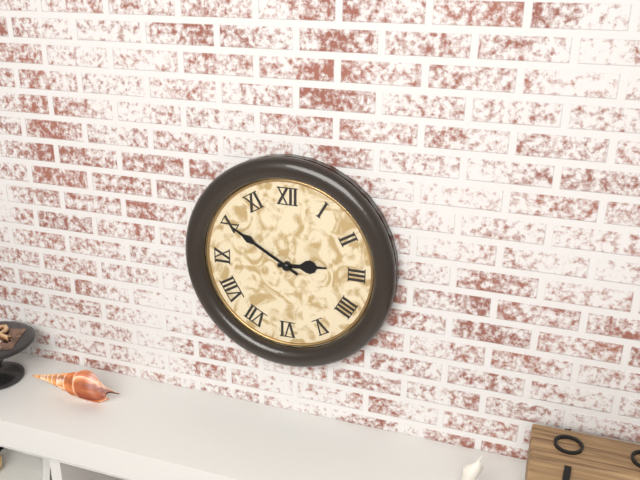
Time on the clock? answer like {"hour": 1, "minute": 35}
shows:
{"hour": 2, "minute": 50}
